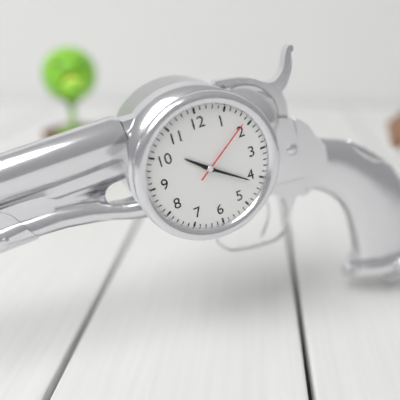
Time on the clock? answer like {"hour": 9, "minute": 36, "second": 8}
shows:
{"hour": 10, "minute": 21, "second": 9}
